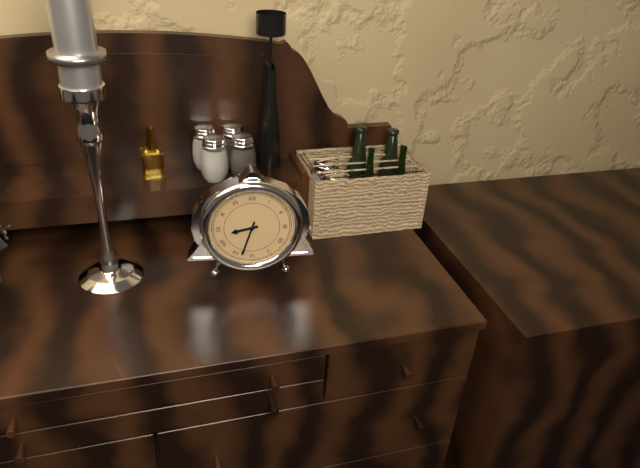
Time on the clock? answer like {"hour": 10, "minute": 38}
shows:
{"hour": 8, "minute": 33}
